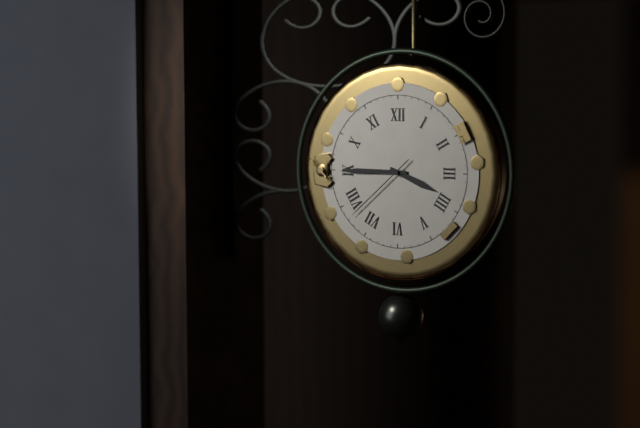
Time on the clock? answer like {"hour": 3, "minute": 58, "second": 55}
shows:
{"hour": 3, "minute": 45, "second": 38}
